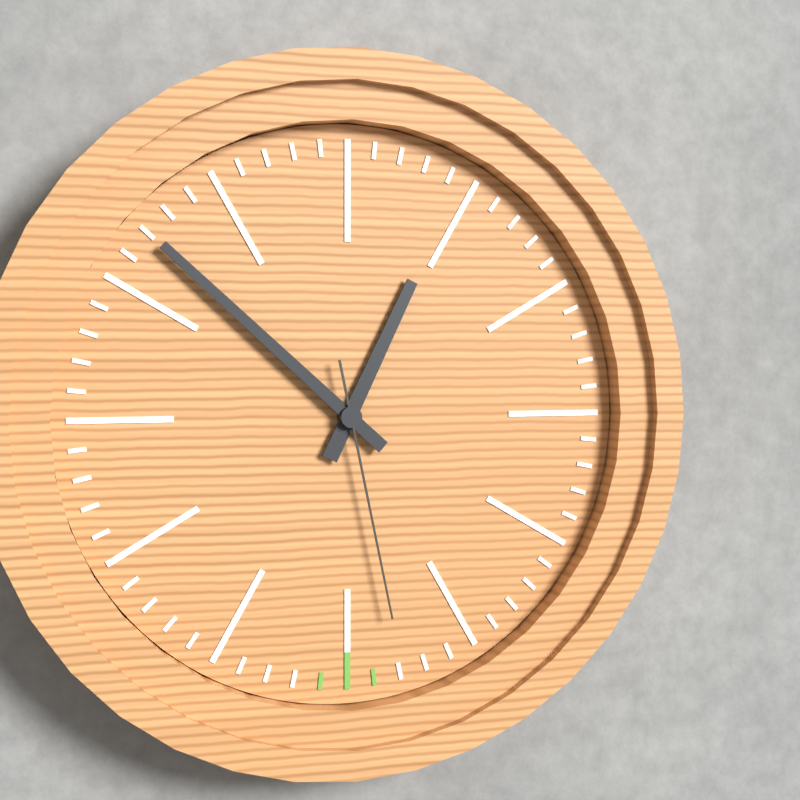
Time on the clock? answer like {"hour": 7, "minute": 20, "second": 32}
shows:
{"hour": 12, "minute": 52, "second": 28}
